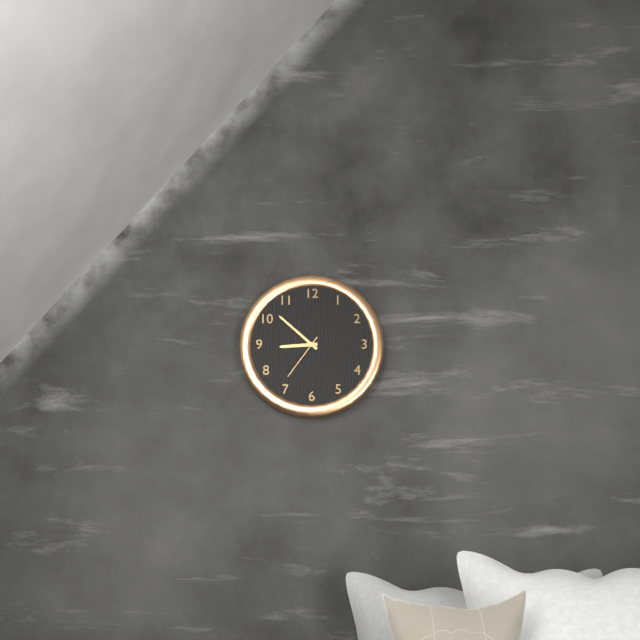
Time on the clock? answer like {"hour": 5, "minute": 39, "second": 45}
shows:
{"hour": 8, "minute": 52, "second": 36}
